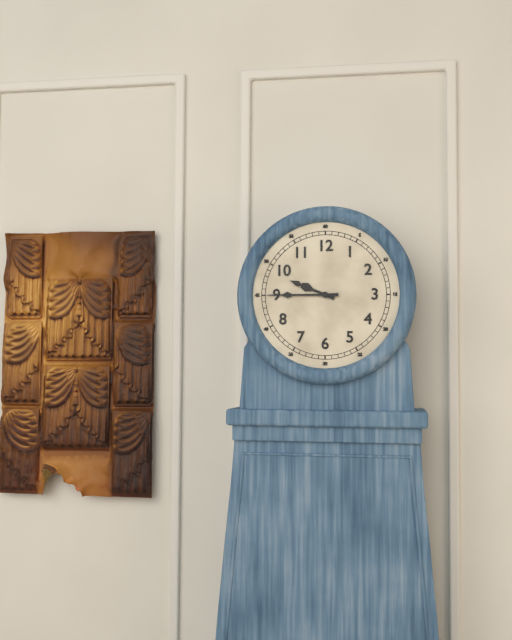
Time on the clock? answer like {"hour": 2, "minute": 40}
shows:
{"hour": 9, "minute": 45}
